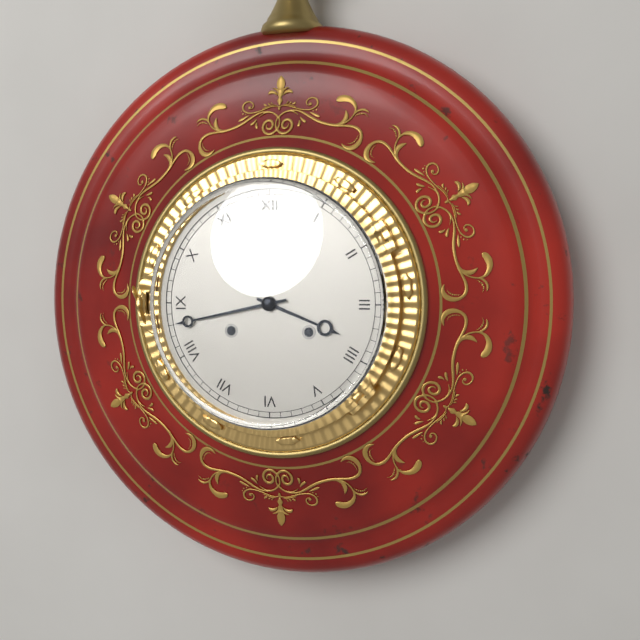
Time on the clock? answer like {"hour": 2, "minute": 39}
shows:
{"hour": 3, "minute": 43}
